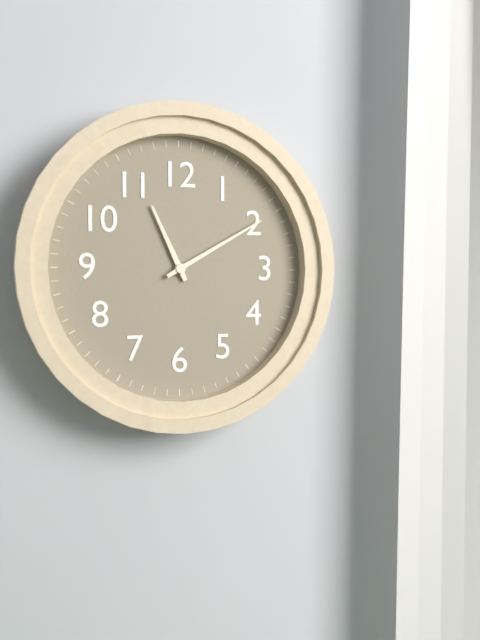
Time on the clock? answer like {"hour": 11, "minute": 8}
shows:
{"hour": 11, "minute": 10}
